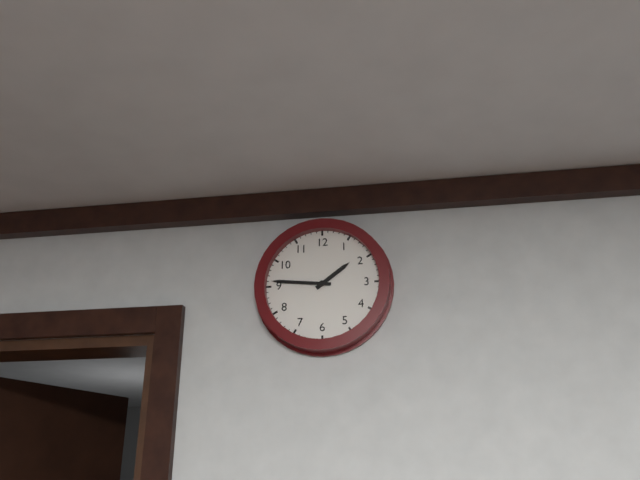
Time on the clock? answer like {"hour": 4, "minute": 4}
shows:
{"hour": 1, "minute": 46}
